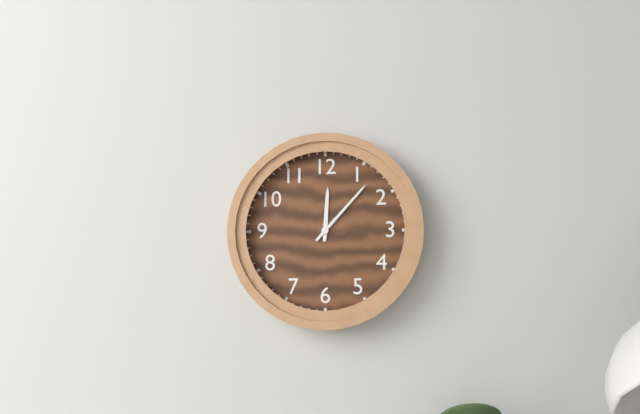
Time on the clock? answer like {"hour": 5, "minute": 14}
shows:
{"hour": 12, "minute": 7}
